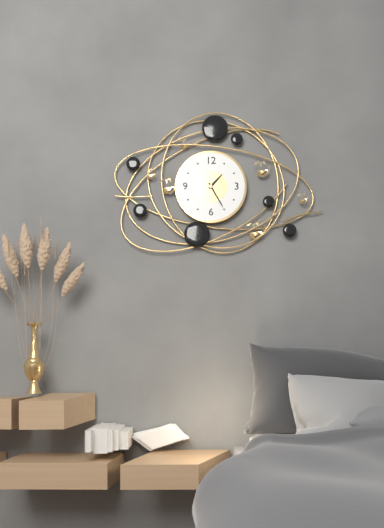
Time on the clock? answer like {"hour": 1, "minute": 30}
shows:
{"hour": 1, "minute": 25}
